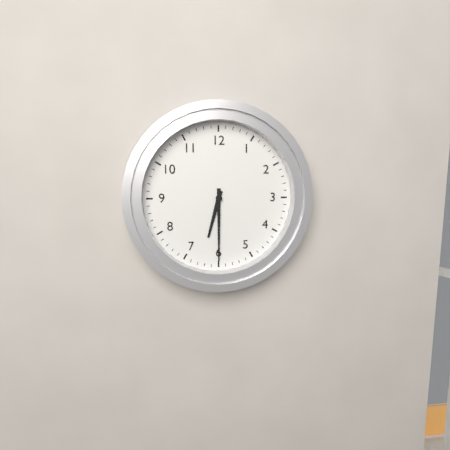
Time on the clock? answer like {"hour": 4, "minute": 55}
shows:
{"hour": 6, "minute": 30}
